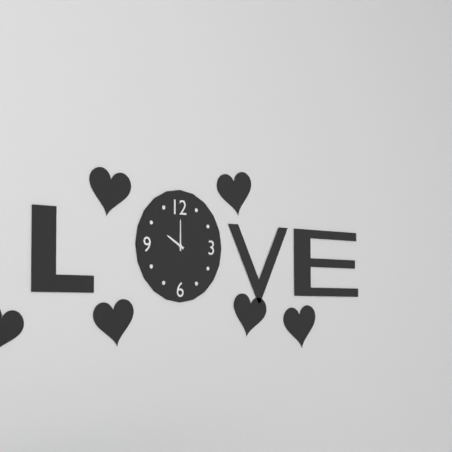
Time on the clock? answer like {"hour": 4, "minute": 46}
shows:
{"hour": 10, "minute": 0}
